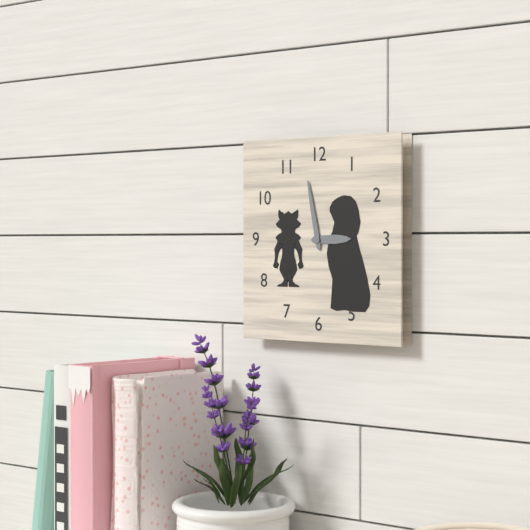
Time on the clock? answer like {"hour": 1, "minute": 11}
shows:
{"hour": 2, "minute": 58}
